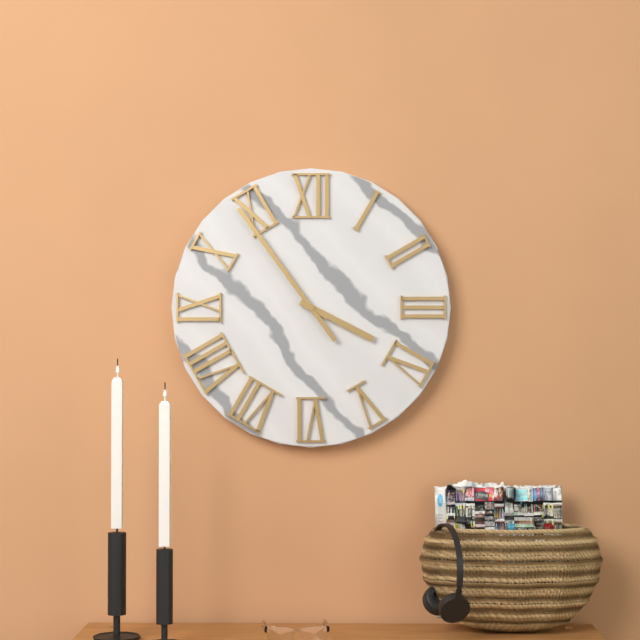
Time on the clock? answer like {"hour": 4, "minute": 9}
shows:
{"hour": 3, "minute": 54}
